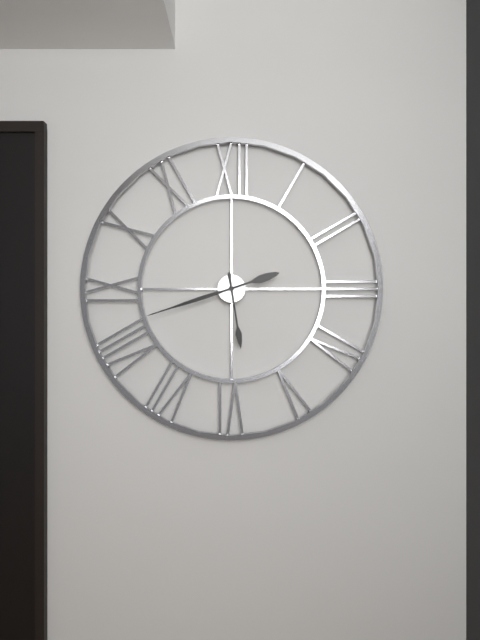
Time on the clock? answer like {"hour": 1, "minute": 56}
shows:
{"hour": 5, "minute": 42}
